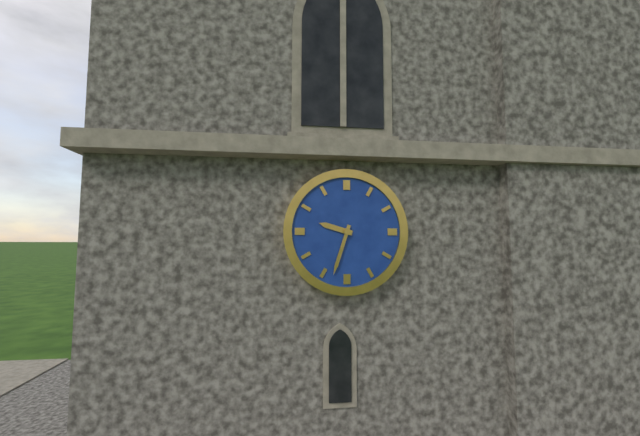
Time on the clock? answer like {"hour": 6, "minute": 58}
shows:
{"hour": 9, "minute": 33}
